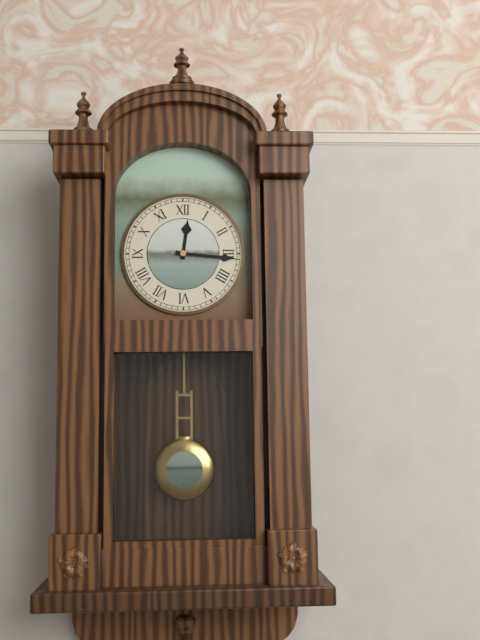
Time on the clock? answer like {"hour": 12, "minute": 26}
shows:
{"hour": 12, "minute": 16}
